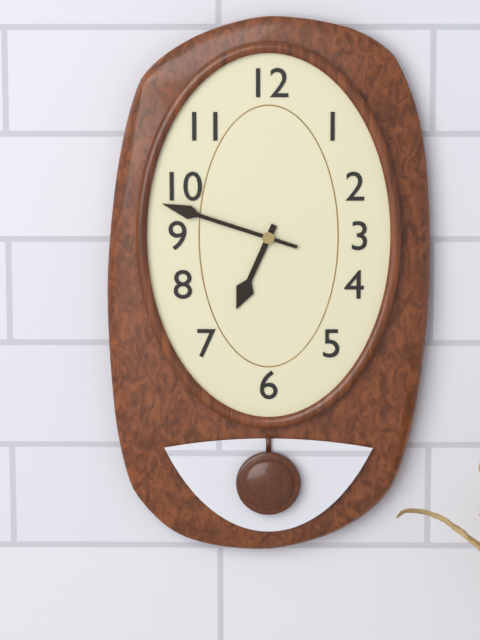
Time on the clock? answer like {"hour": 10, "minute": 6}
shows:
{"hour": 6, "minute": 48}
